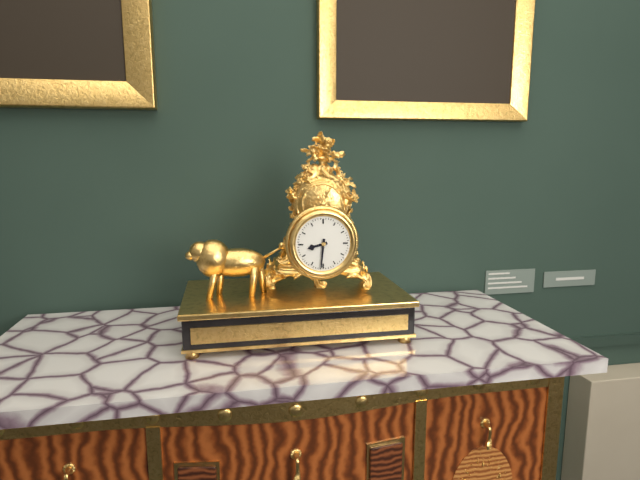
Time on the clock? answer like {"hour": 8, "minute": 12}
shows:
{"hour": 8, "minute": 31}
